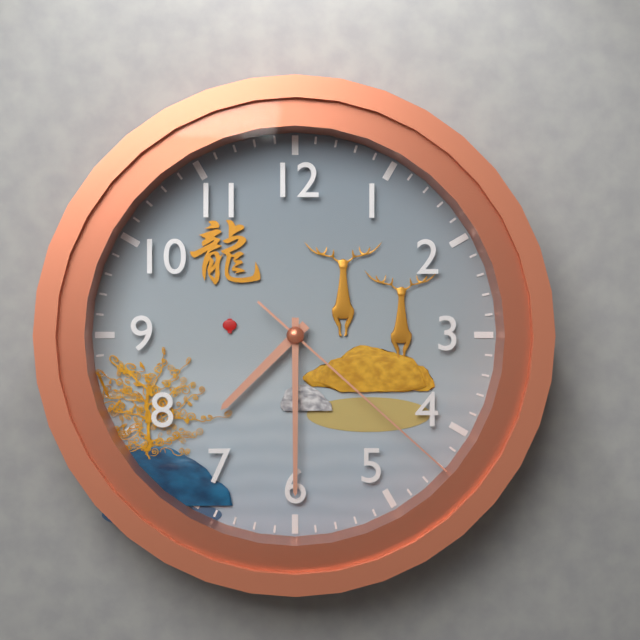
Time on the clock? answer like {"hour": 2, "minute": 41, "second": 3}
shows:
{"hour": 7, "minute": 30, "second": 22}
